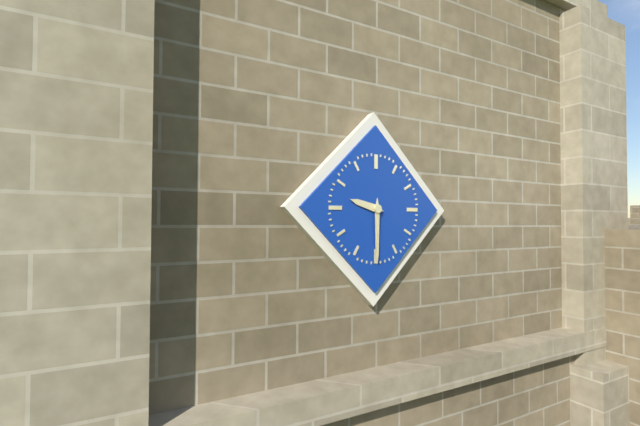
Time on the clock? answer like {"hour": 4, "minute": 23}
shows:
{"hour": 9, "minute": 30}
